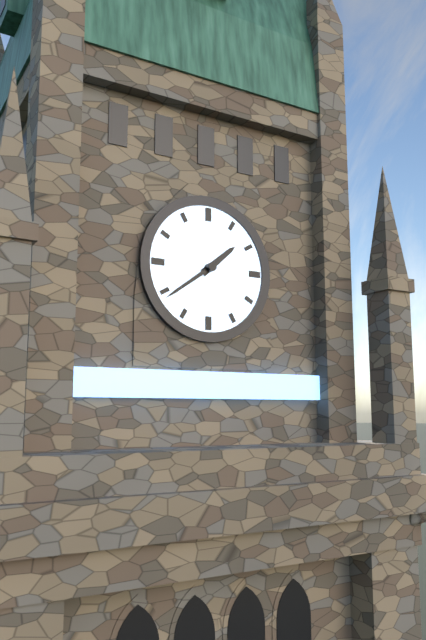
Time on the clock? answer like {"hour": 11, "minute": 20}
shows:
{"hour": 1, "minute": 39}
